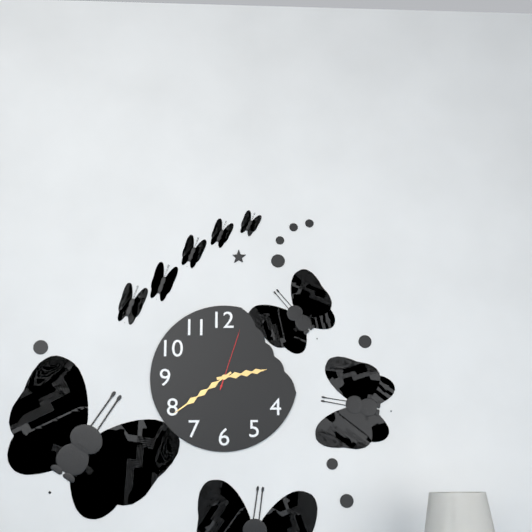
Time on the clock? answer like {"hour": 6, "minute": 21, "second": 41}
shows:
{"hour": 2, "minute": 39, "second": 3}
